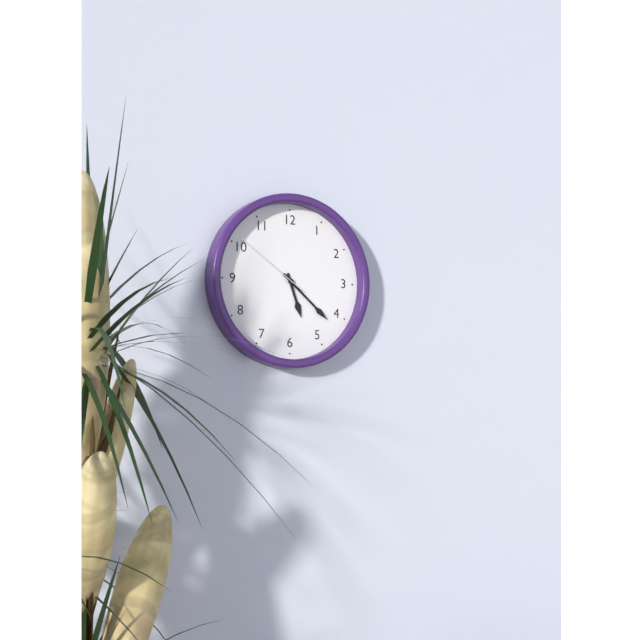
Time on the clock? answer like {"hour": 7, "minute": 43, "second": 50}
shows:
{"hour": 5, "minute": 22, "second": 51}
